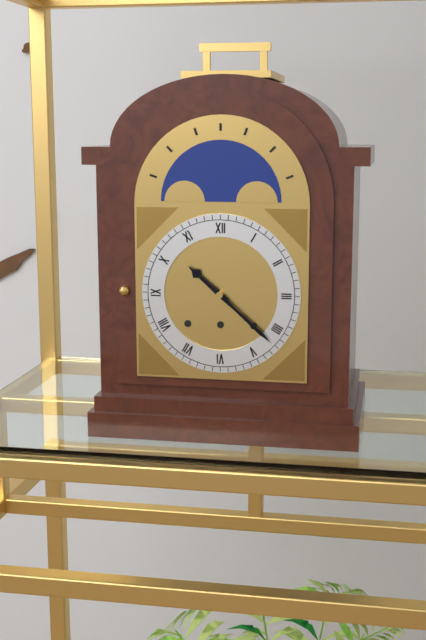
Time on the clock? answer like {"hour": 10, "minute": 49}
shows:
{"hour": 10, "minute": 22}
